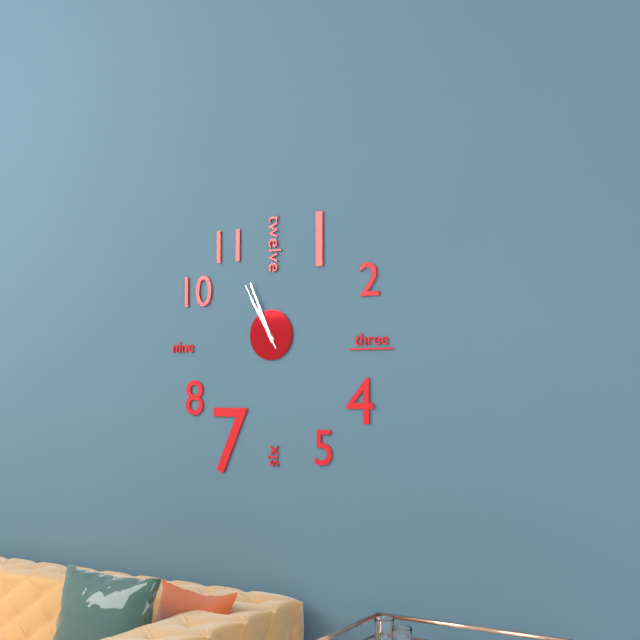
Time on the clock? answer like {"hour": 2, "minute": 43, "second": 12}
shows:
{"hour": 10, "minute": 56, "second": 55}
